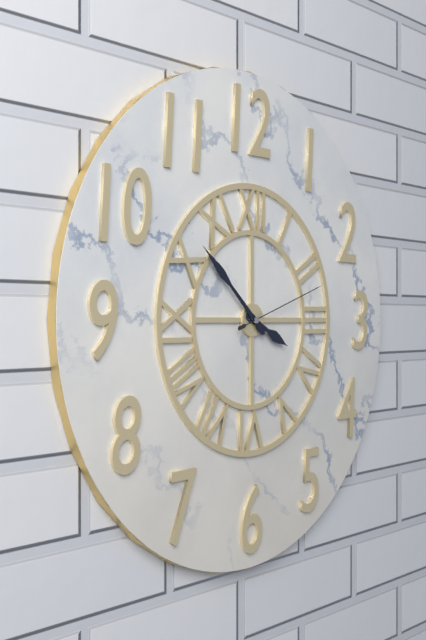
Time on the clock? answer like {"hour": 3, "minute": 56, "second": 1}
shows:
{"hour": 3, "minute": 52, "second": 12}
